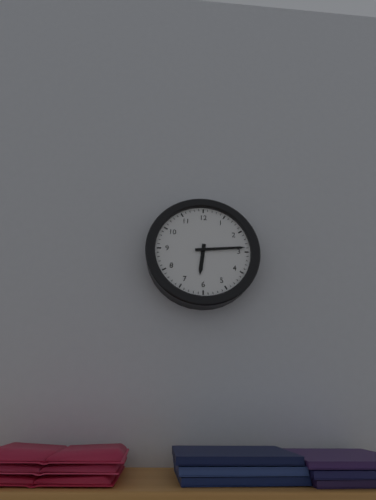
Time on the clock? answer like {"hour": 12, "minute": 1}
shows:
{"hour": 6, "minute": 14}
